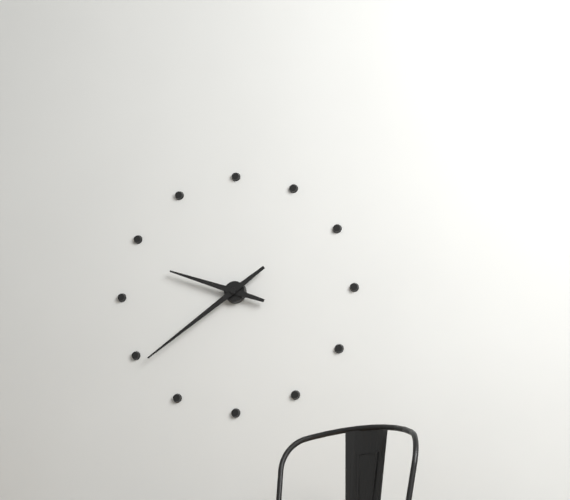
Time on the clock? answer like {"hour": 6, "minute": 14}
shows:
{"hour": 9, "minute": 39}
